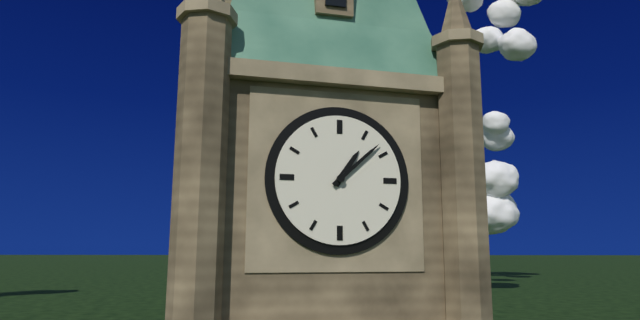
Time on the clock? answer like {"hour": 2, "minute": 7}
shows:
{"hour": 1, "minute": 8}
